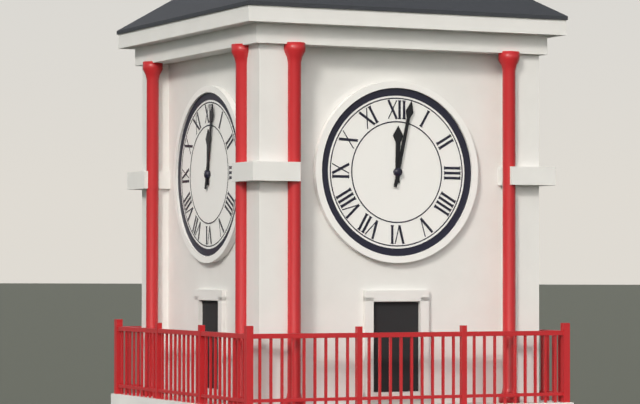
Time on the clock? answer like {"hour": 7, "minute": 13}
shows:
{"hour": 12, "minute": 2}
